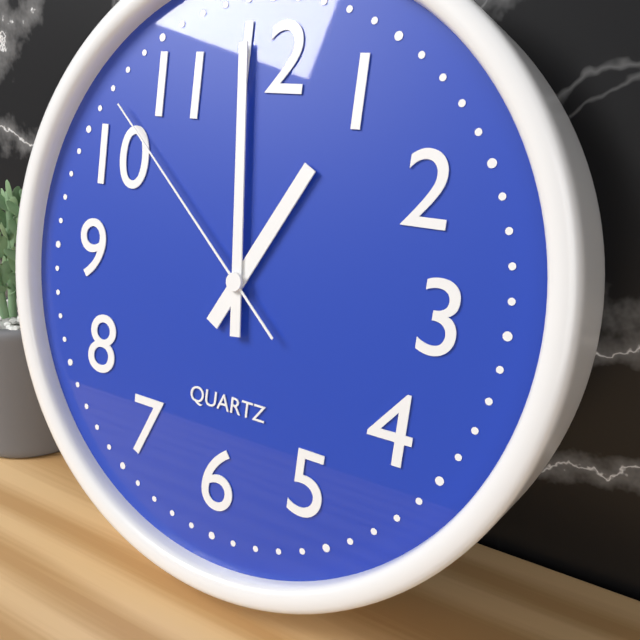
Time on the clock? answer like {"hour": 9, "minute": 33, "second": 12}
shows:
{"hour": 12, "minute": 59, "second": 52}
